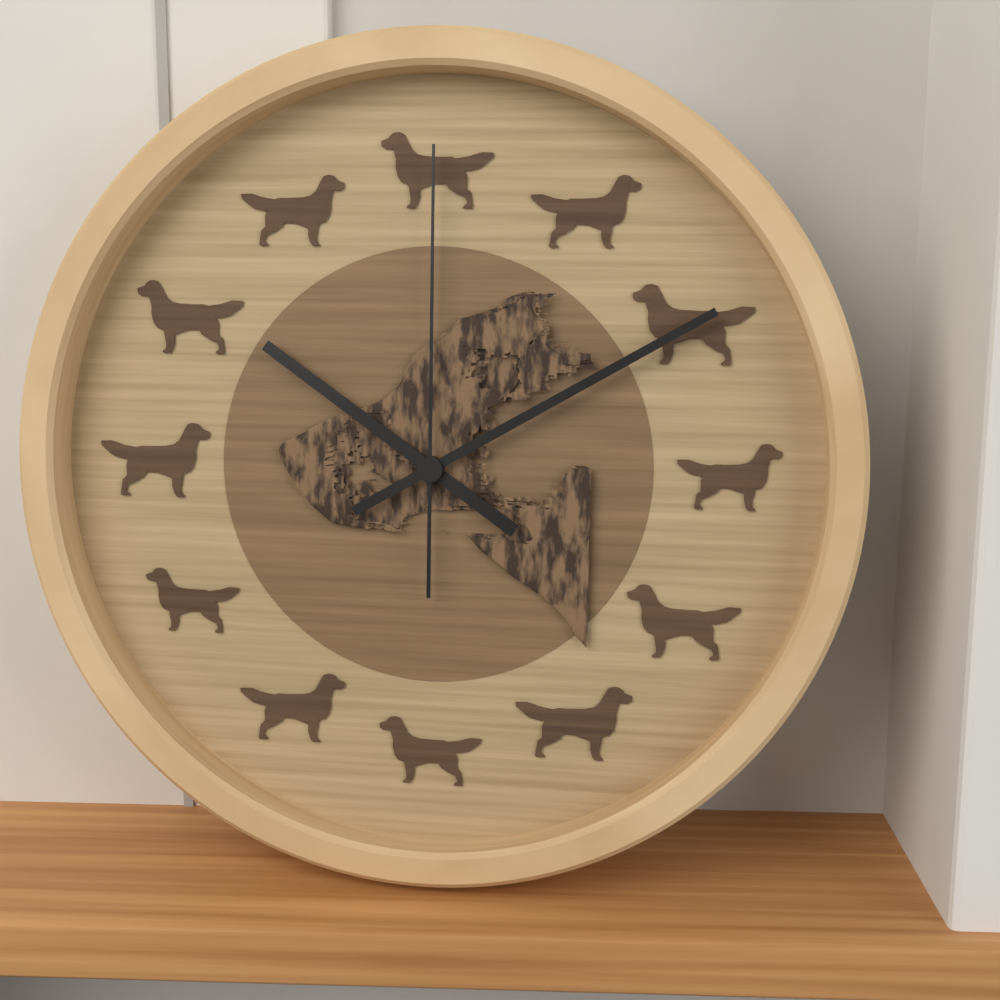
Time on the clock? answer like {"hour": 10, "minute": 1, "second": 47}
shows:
{"hour": 10, "minute": 10, "second": 0}
